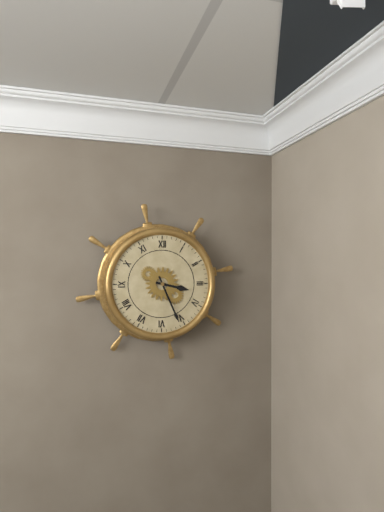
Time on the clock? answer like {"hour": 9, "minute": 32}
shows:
{"hour": 3, "minute": 26}
